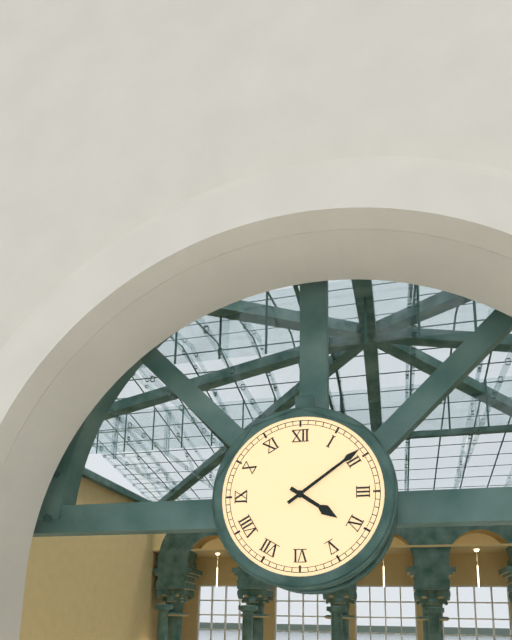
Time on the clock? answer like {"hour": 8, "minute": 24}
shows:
{"hour": 4, "minute": 9}
